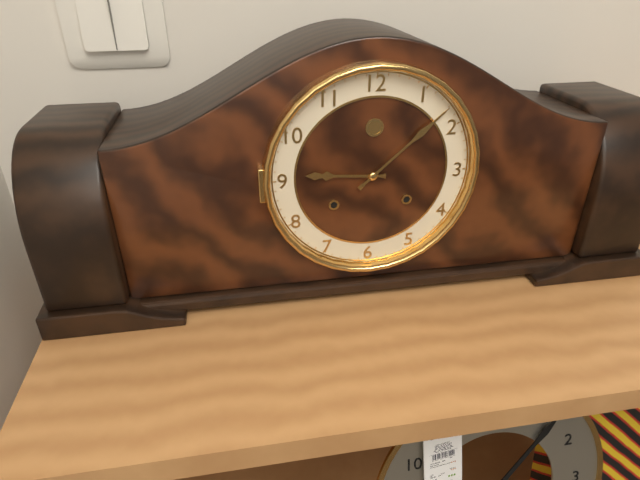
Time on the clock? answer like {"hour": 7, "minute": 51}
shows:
{"hour": 9, "minute": 8}
